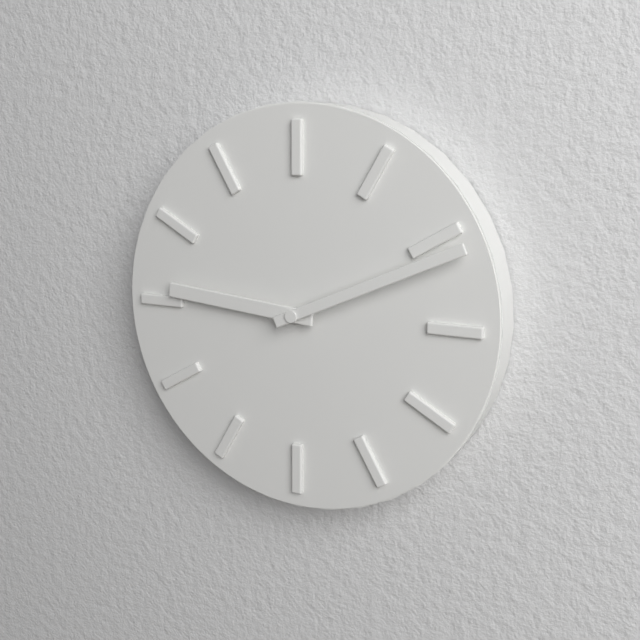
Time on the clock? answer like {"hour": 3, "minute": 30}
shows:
{"hour": 9, "minute": 11}
